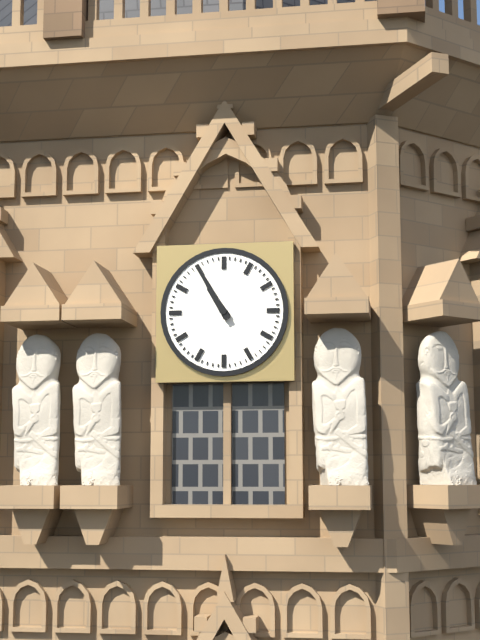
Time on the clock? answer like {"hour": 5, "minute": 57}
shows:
{"hour": 10, "minute": 55}
